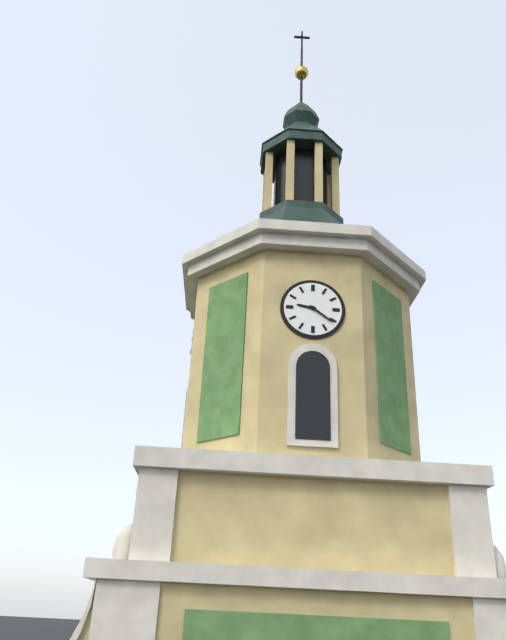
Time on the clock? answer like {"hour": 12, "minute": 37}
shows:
{"hour": 9, "minute": 21}
